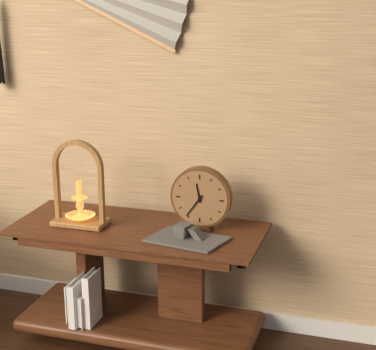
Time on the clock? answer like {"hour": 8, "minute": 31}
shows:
{"hour": 11, "minute": 36}
